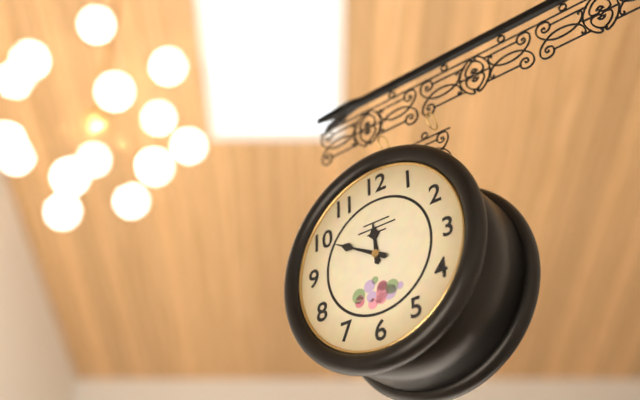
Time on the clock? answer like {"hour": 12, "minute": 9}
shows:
{"hour": 11, "minute": 50}
